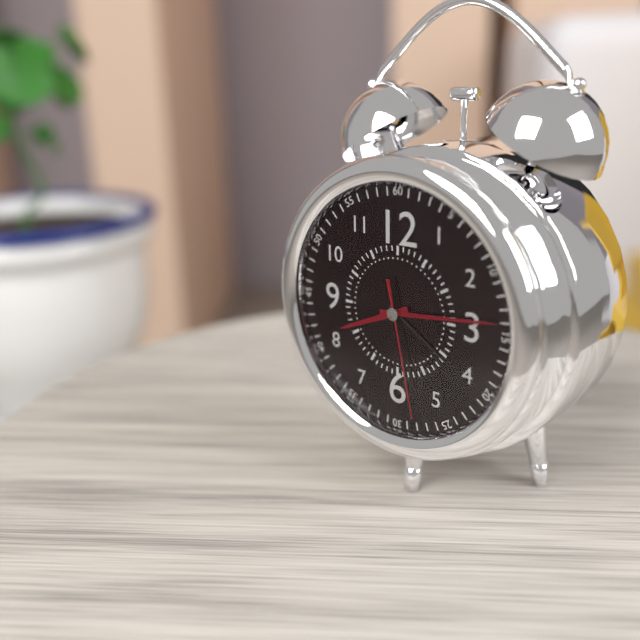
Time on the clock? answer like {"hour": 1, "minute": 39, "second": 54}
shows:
{"hour": 8, "minute": 14, "second": 28}
